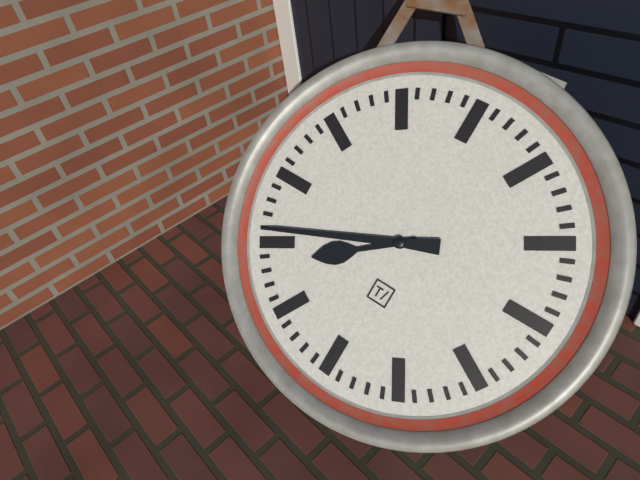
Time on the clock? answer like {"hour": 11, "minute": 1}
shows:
{"hour": 7, "minute": 41}
